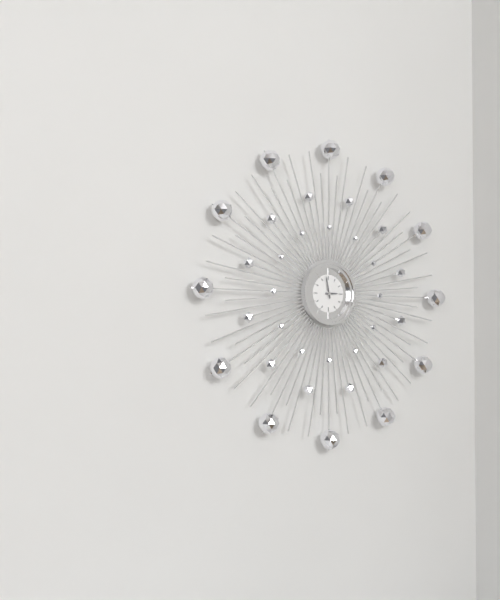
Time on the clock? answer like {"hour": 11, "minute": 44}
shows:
{"hour": 2, "minute": 58}
